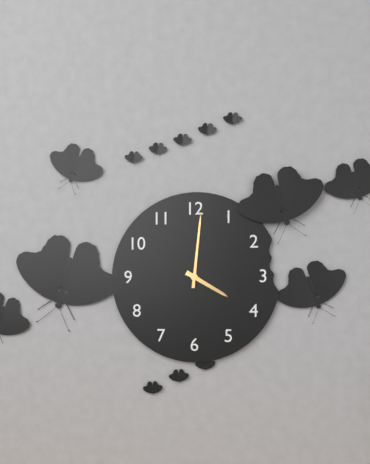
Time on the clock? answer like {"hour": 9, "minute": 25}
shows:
{"hour": 4, "minute": 1}
